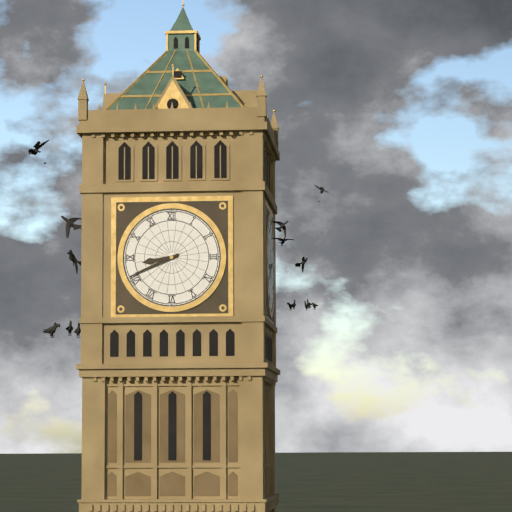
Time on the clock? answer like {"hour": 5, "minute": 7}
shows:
{"hour": 8, "minute": 41}
